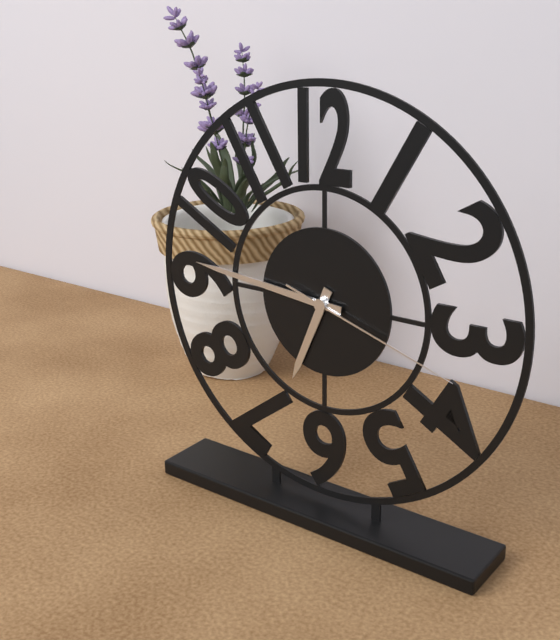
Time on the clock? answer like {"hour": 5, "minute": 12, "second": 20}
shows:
{"hour": 6, "minute": 46, "second": 18}
